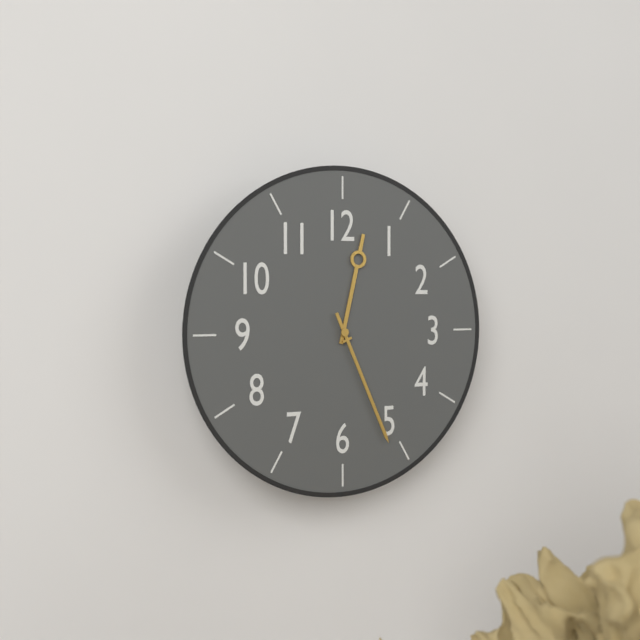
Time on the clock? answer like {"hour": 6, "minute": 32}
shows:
{"hour": 12, "minute": 26}
